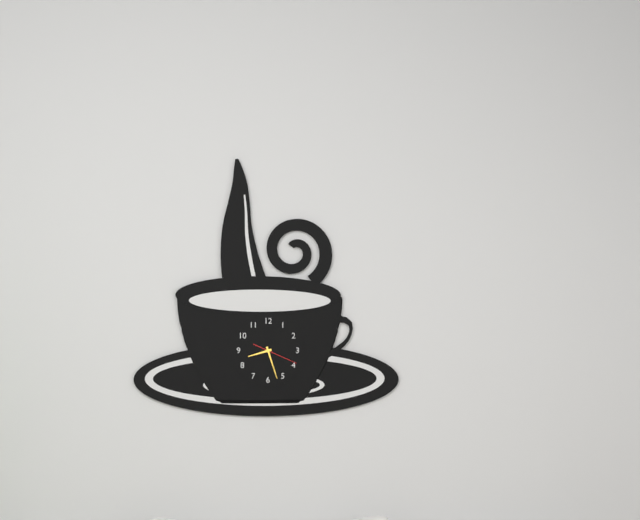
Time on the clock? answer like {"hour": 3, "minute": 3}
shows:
{"hour": 8, "minute": 27}
